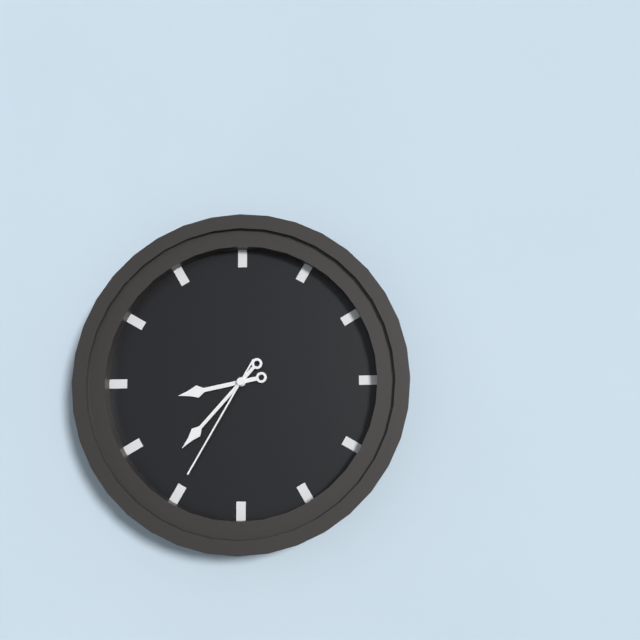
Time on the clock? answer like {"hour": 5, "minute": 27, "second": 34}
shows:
{"hour": 8, "minute": 37, "second": 35}
